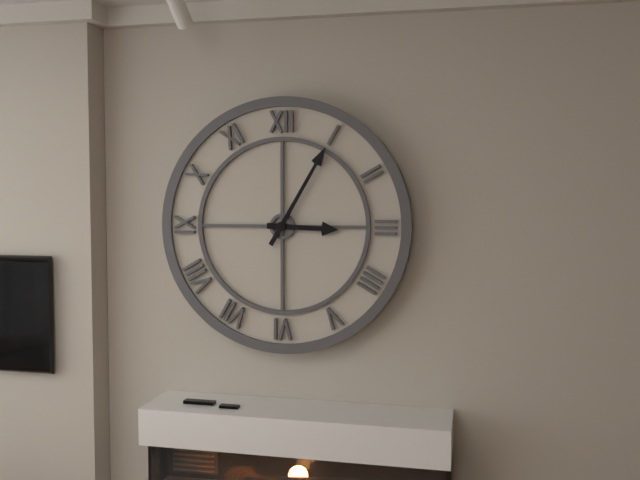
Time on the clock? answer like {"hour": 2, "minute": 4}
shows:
{"hour": 3, "minute": 5}
